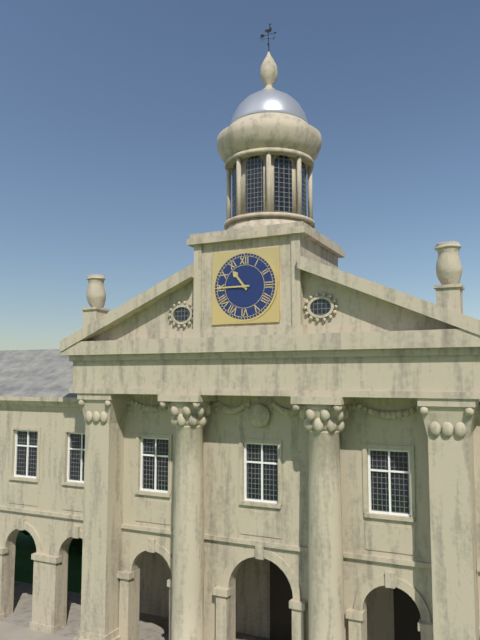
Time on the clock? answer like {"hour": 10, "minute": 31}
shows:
{"hour": 10, "minute": 45}
